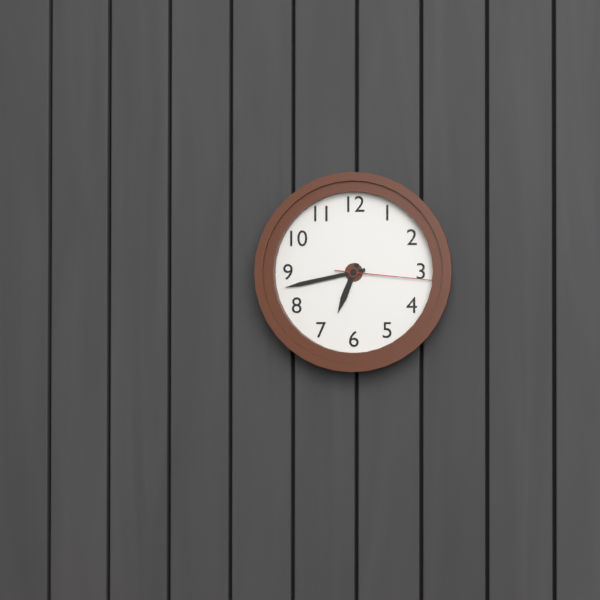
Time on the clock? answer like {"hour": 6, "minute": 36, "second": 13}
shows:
{"hour": 6, "minute": 43, "second": 16}
